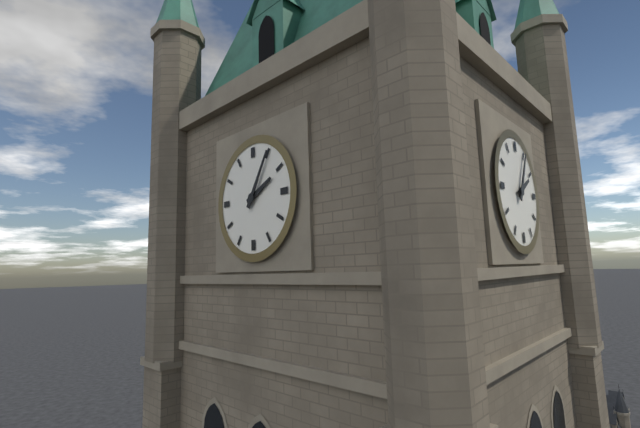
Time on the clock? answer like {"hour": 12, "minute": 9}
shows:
{"hour": 2, "minute": 5}
